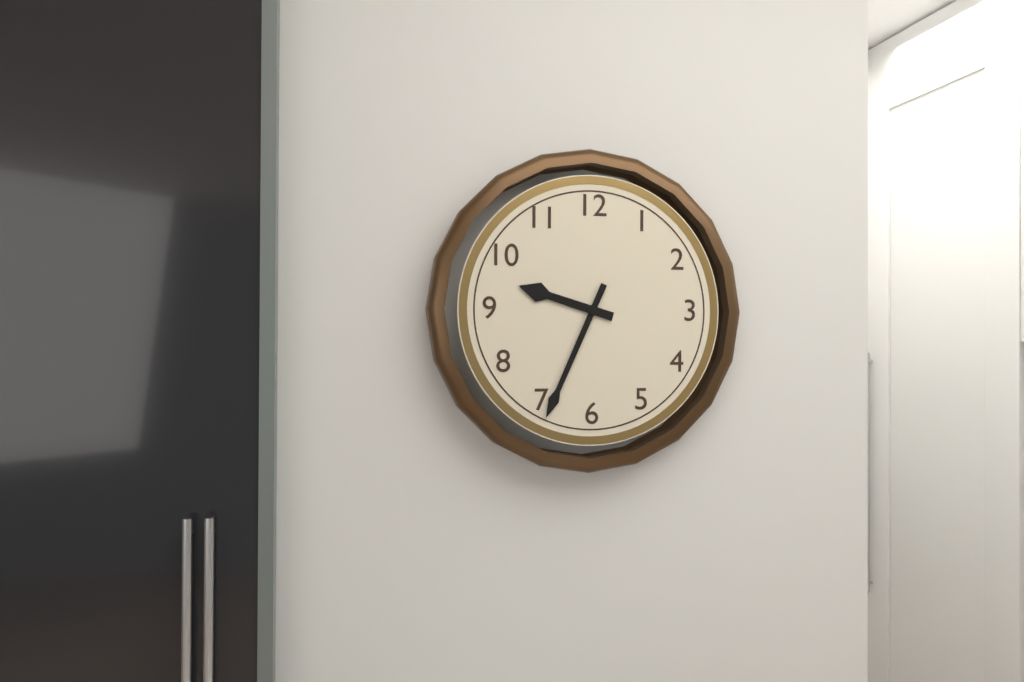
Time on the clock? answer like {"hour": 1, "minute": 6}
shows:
{"hour": 9, "minute": 34}
